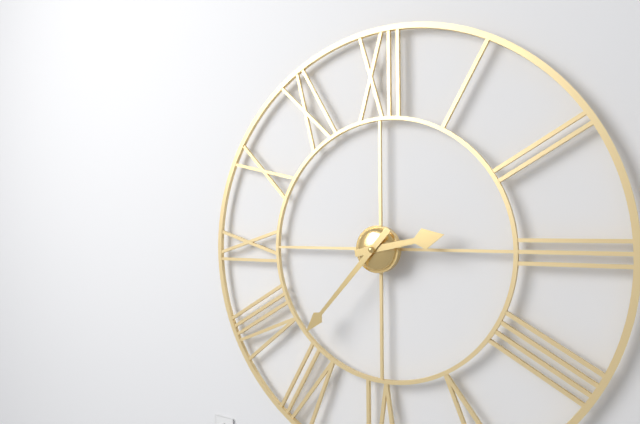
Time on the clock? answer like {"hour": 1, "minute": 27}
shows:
{"hour": 2, "minute": 37}
